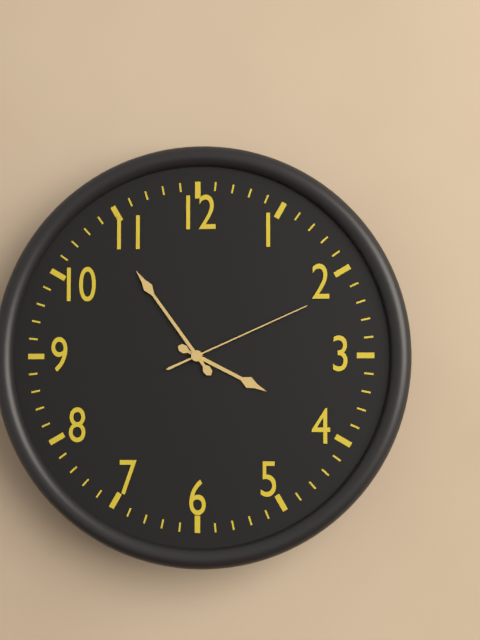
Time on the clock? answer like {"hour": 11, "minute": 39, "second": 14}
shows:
{"hour": 3, "minute": 54, "second": 11}
